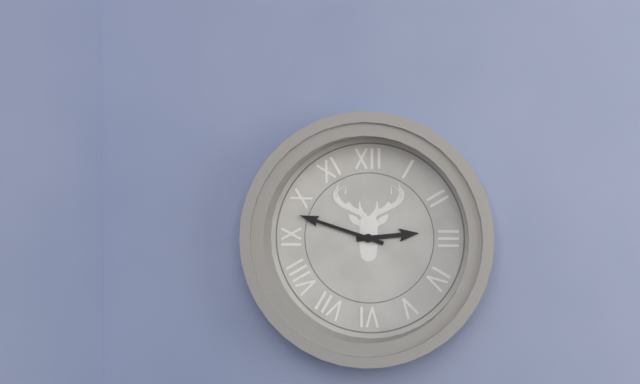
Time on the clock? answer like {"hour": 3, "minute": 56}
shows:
{"hour": 2, "minute": 48}
